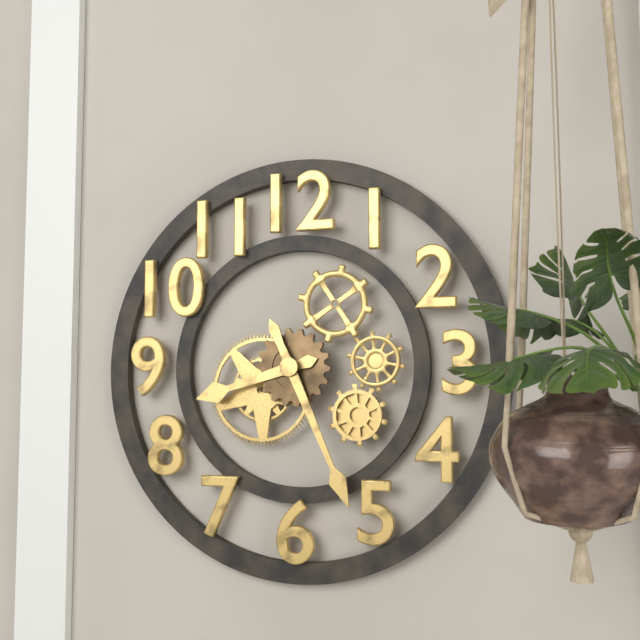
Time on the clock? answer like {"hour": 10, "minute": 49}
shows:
{"hour": 8, "minute": 26}
